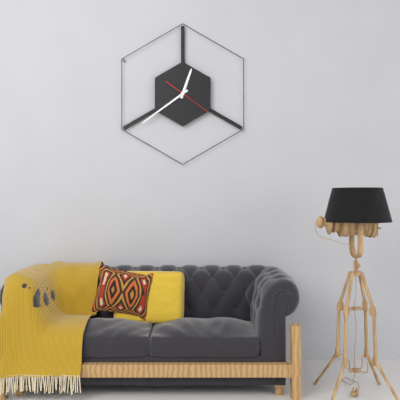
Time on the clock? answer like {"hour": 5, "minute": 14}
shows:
{"hour": 12, "minute": 39}
